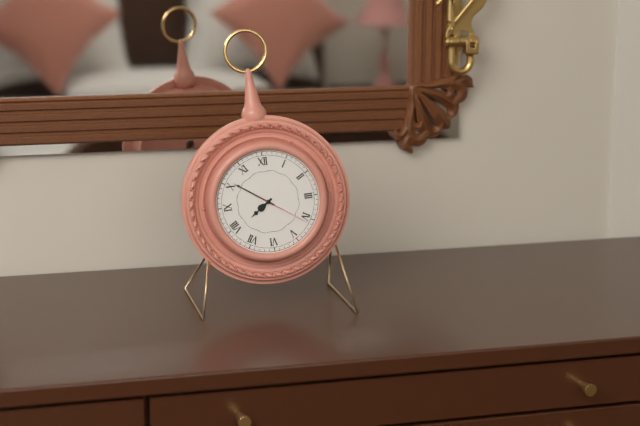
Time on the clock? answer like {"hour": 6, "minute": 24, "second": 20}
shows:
{"hour": 7, "minute": 51, "second": 21}
